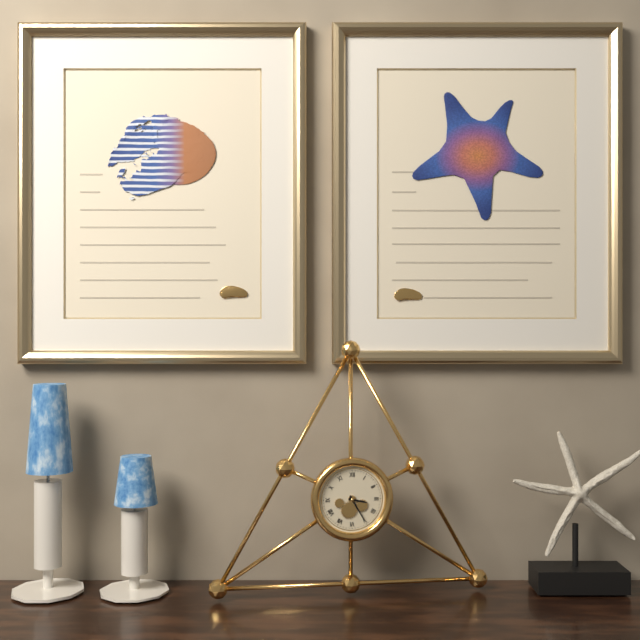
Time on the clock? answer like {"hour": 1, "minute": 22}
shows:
{"hour": 3, "minute": 25}
